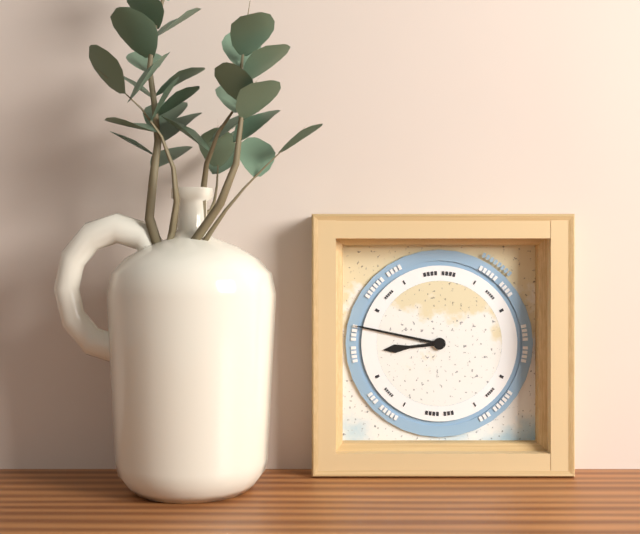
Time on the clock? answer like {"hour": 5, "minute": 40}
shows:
{"hour": 8, "minute": 47}
